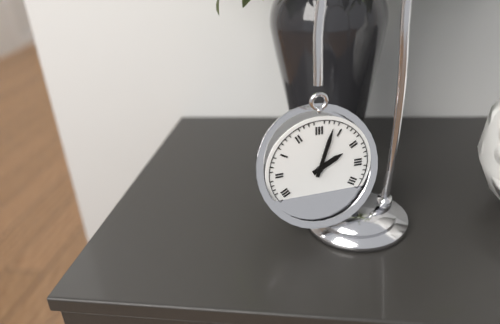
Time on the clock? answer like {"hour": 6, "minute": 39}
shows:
{"hour": 2, "minute": 3}
